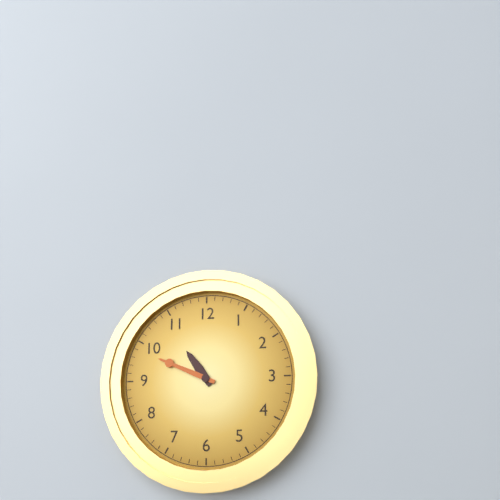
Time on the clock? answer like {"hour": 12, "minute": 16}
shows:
{"hour": 10, "minute": 49}
